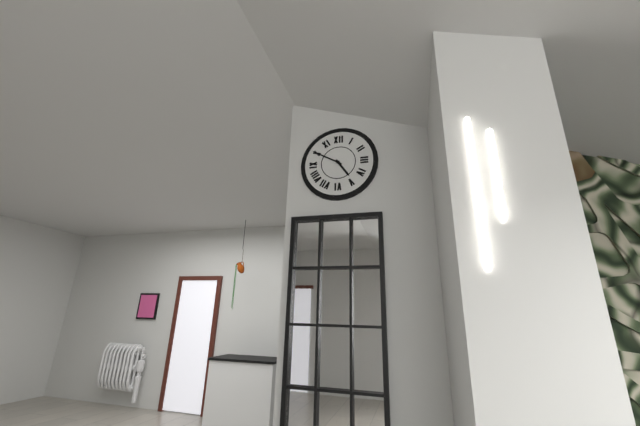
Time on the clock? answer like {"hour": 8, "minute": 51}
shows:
{"hour": 4, "minute": 50}
